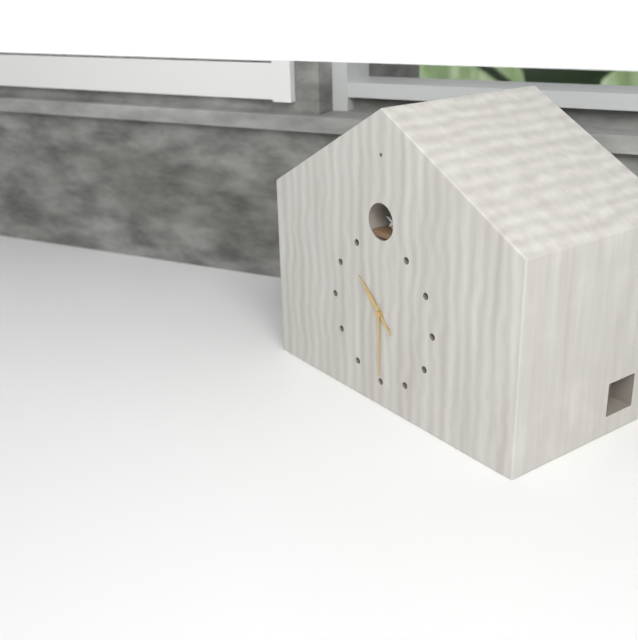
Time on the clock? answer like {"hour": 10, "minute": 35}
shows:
{"hour": 10, "minute": 30}
